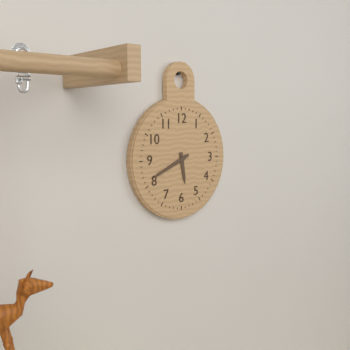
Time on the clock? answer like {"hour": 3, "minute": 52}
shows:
{"hour": 5, "minute": 41}
